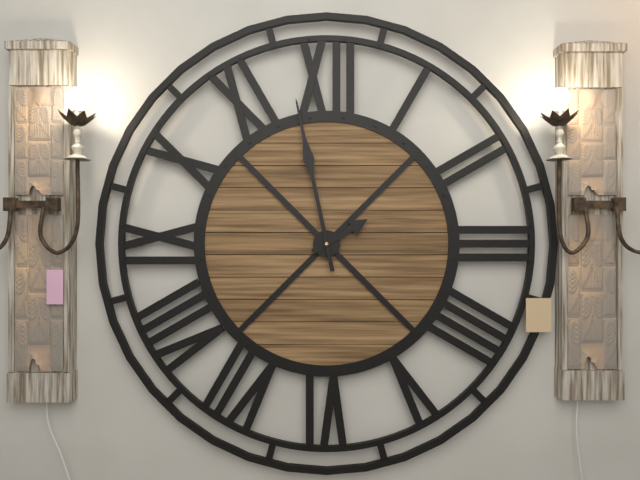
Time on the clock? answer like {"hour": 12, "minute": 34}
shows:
{"hour": 1, "minute": 58}
